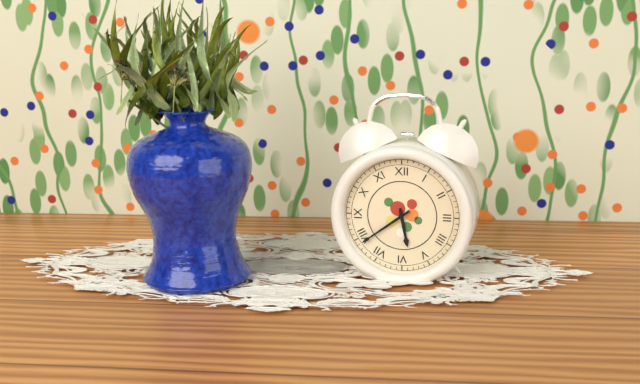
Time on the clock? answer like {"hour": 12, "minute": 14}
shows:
{"hour": 5, "minute": 39}
